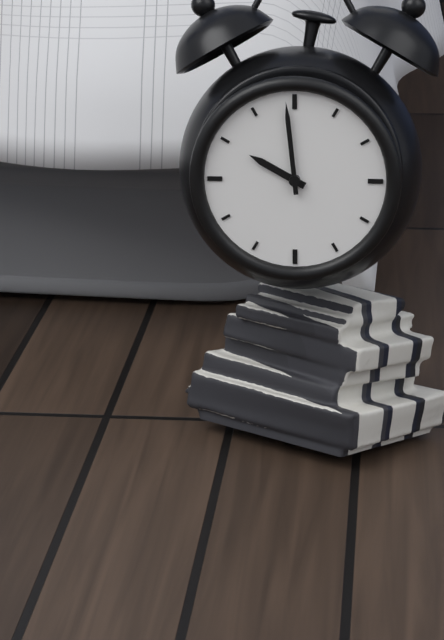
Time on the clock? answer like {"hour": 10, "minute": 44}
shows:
{"hour": 9, "minute": 59}
